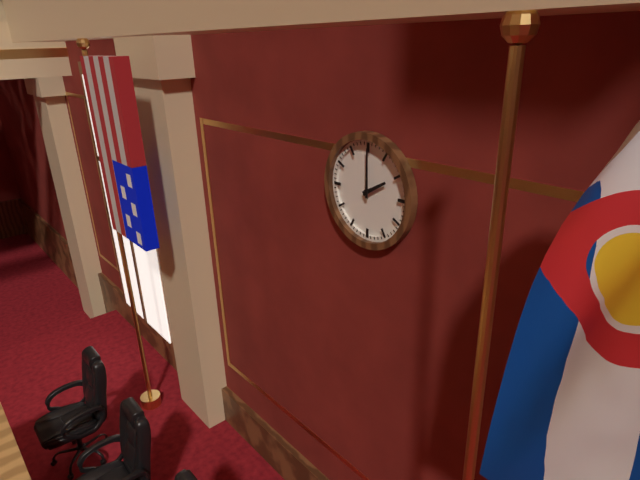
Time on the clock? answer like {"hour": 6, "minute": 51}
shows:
{"hour": 2, "minute": 0}
